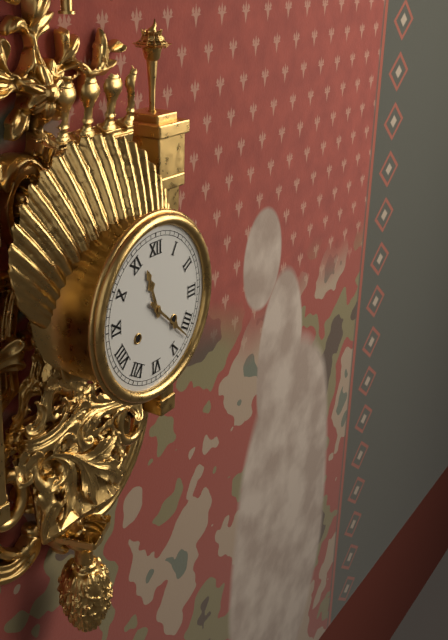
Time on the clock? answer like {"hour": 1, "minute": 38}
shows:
{"hour": 11, "minute": 22}
